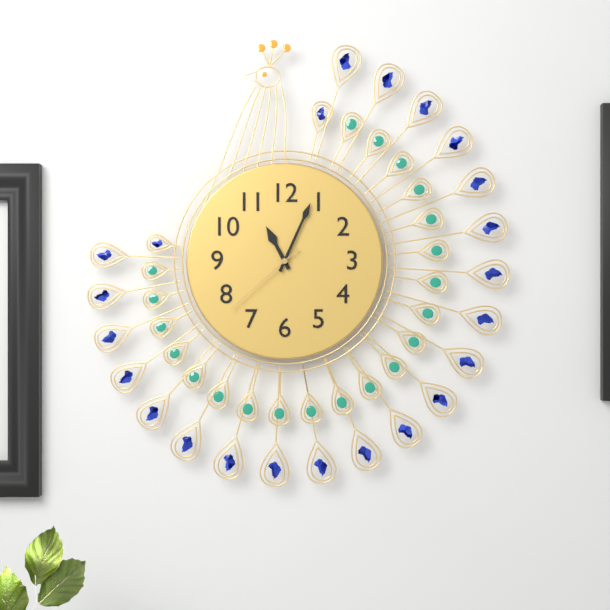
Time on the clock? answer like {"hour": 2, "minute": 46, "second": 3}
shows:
{"hour": 11, "minute": 4, "second": 38}
